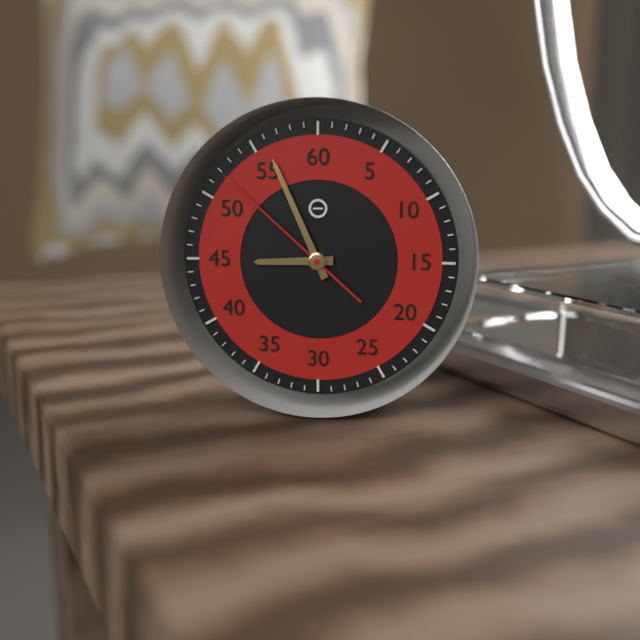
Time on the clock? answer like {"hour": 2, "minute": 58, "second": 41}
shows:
{"hour": 8, "minute": 56, "second": 52}
